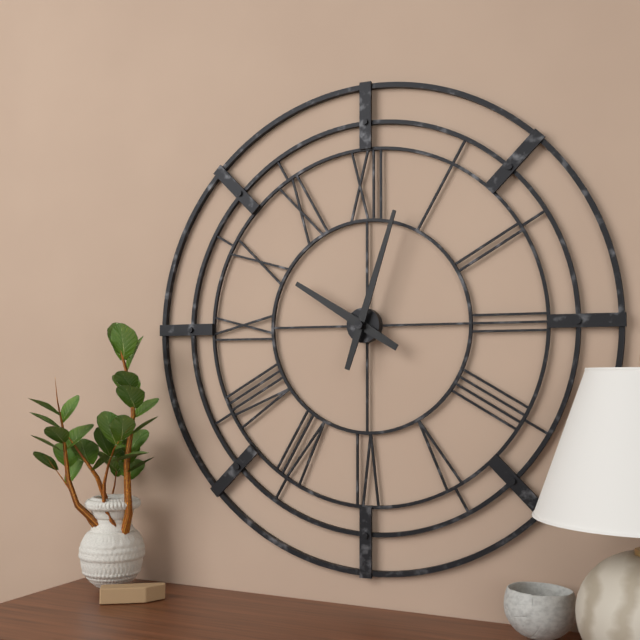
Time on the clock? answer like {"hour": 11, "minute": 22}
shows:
{"hour": 10, "minute": 3}
